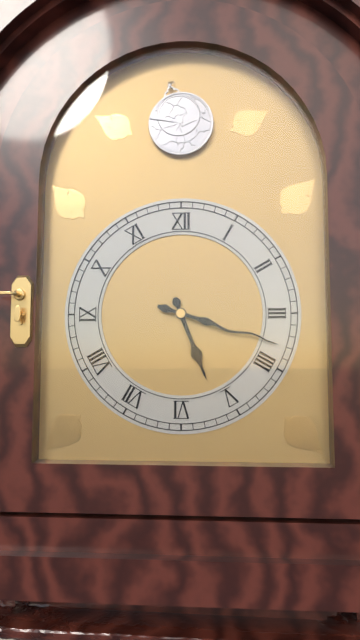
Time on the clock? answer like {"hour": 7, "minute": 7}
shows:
{"hour": 5, "minute": 18}
